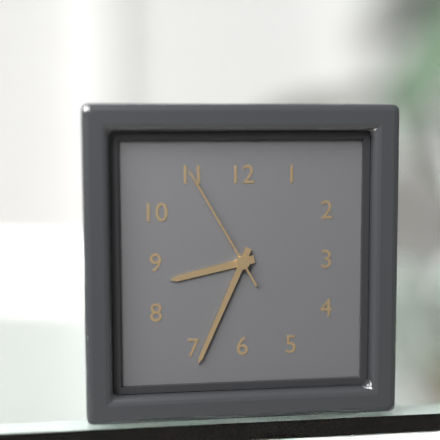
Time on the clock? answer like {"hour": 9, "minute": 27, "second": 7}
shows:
{"hour": 8, "minute": 34, "second": 55}
